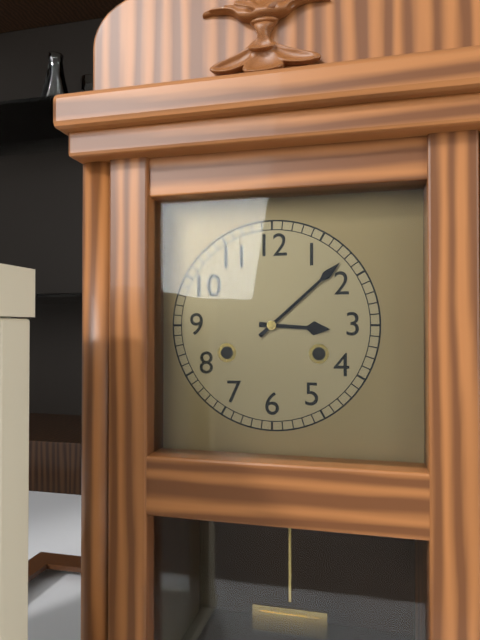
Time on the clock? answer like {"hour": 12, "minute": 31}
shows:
{"hour": 3, "minute": 8}
